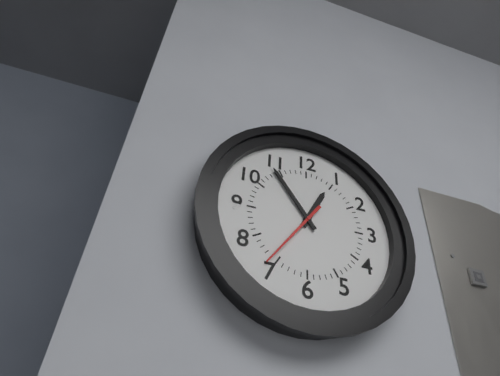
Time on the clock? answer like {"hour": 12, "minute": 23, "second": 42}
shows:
{"hour": 12, "minute": 54, "second": 36}
